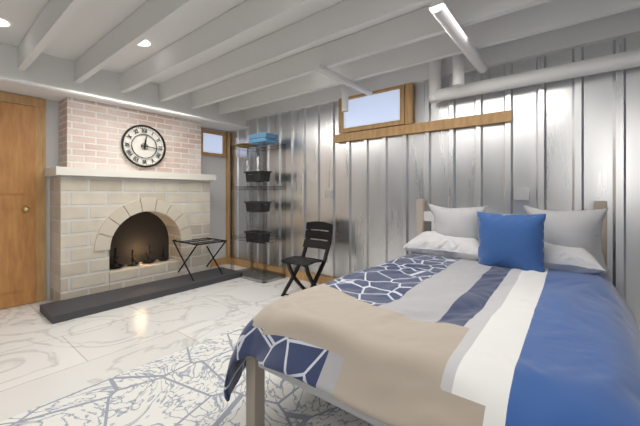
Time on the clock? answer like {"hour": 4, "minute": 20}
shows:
{"hour": 12, "minute": 16}
